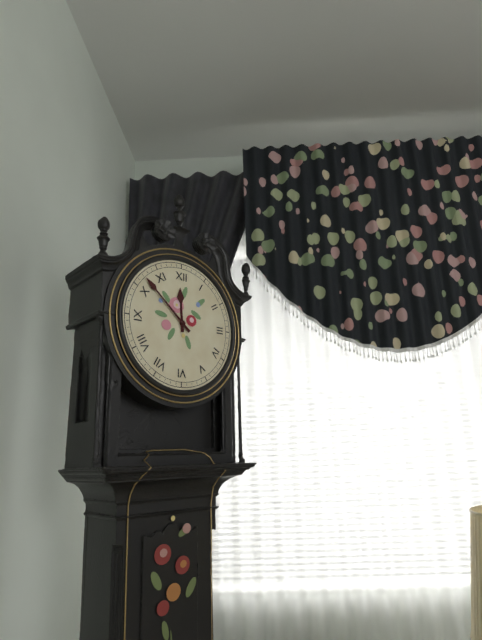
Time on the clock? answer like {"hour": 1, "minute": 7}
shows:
{"hour": 11, "minute": 52}
